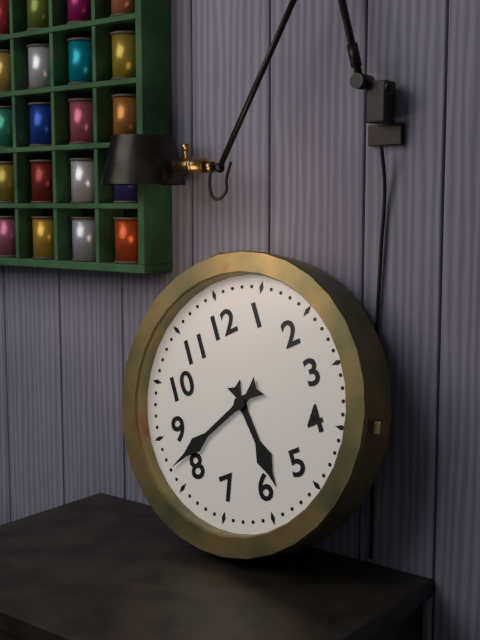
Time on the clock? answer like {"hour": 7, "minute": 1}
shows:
{"hour": 5, "minute": 42}
